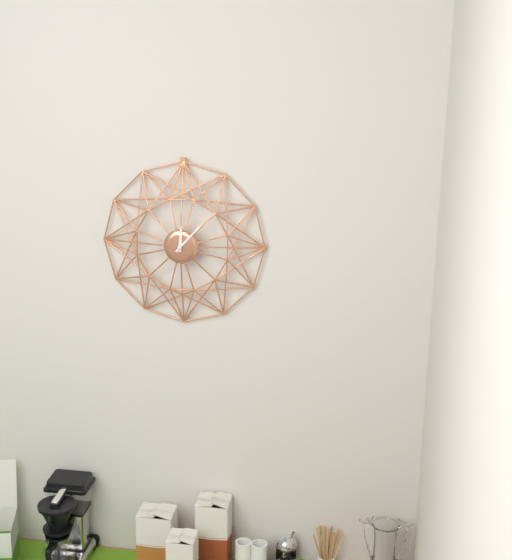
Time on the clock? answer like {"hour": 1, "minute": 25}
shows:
{"hour": 12, "minute": 7}
